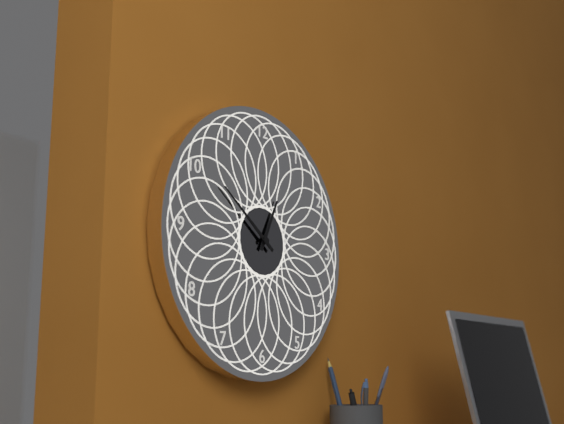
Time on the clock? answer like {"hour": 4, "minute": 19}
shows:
{"hour": 12, "minute": 51}
